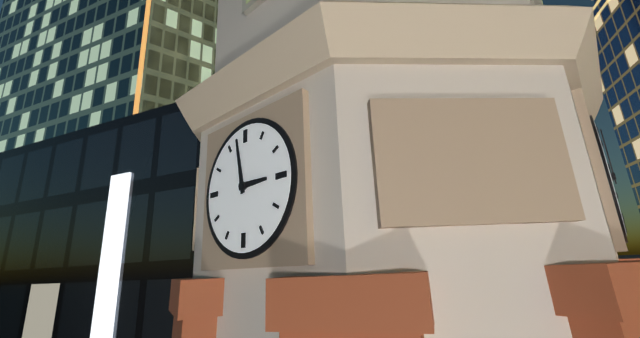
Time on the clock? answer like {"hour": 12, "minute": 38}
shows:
{"hour": 2, "minute": 58}
